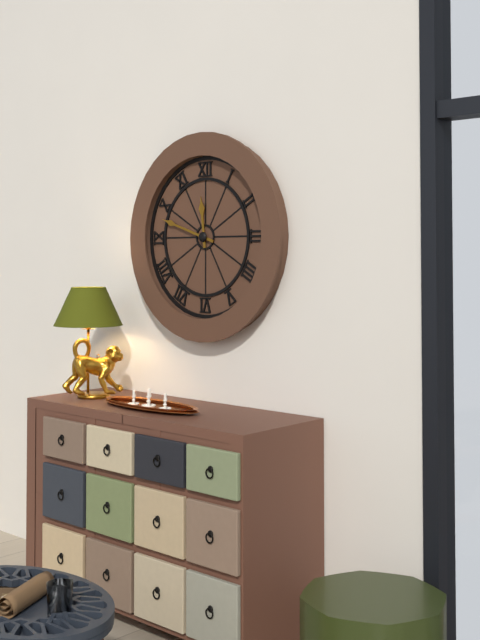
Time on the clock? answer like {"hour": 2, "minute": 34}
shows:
{"hour": 11, "minute": 48}
